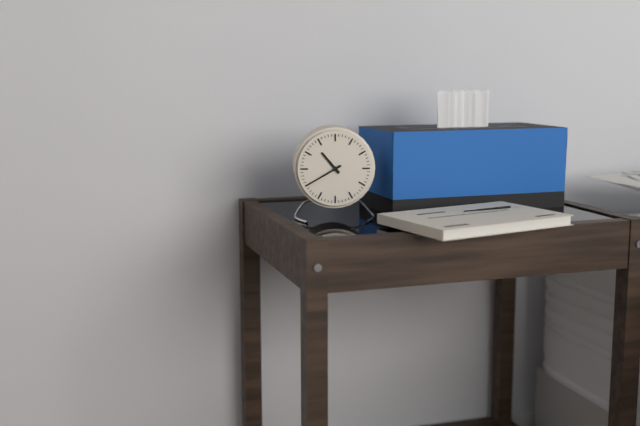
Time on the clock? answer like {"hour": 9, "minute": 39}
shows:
{"hour": 10, "minute": 40}
